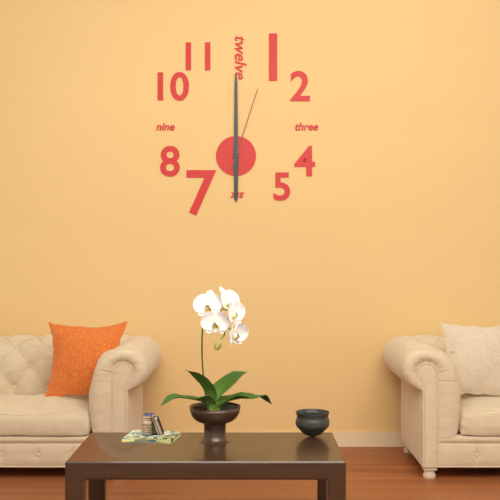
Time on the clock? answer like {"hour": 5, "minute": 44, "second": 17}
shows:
{"hour": 6, "minute": 0, "second": 3}
